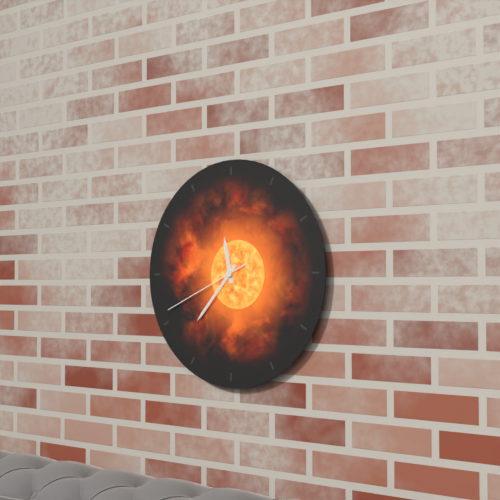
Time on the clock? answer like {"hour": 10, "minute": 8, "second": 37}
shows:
{"hour": 11, "minute": 37, "second": 41}
